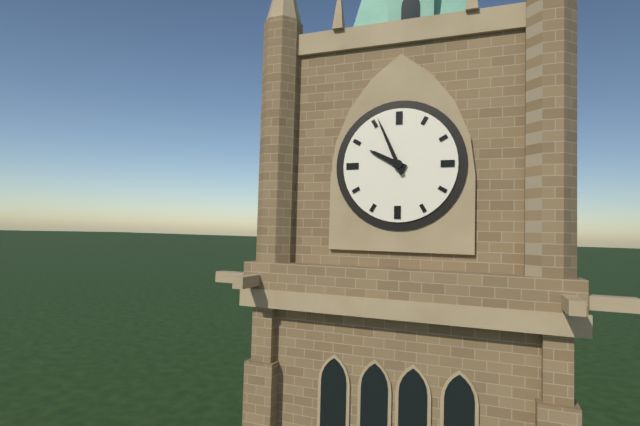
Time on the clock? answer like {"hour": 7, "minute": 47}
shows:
{"hour": 9, "minute": 56}
